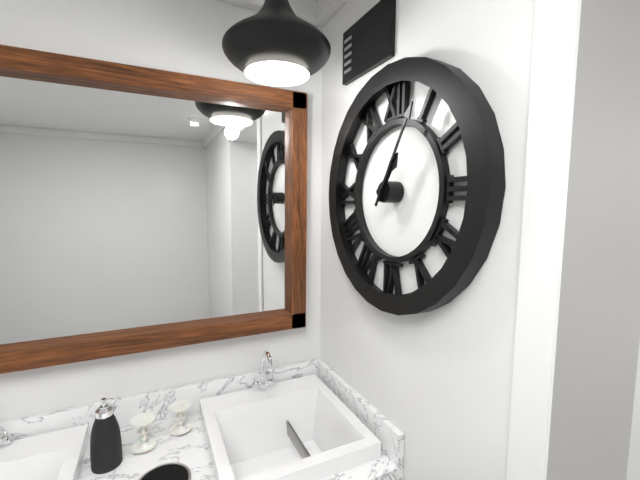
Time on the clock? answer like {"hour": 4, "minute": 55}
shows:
{"hour": 1, "minute": 5}
